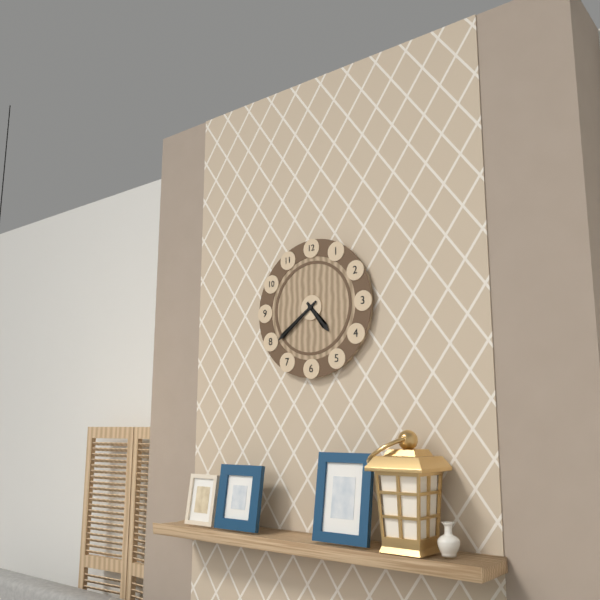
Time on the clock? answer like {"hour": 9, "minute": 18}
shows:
{"hour": 4, "minute": 39}
